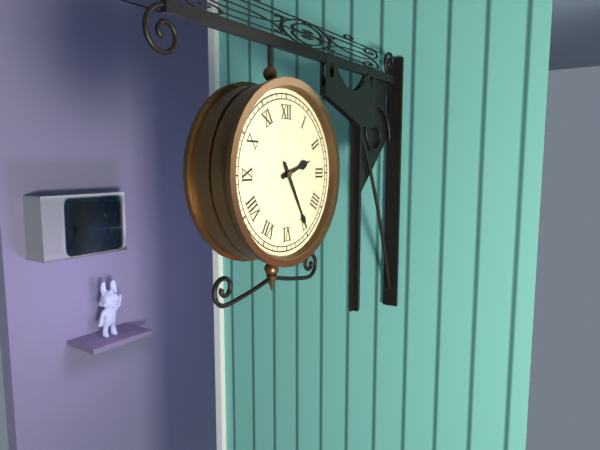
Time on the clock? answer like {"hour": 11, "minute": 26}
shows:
{"hour": 2, "minute": 25}
